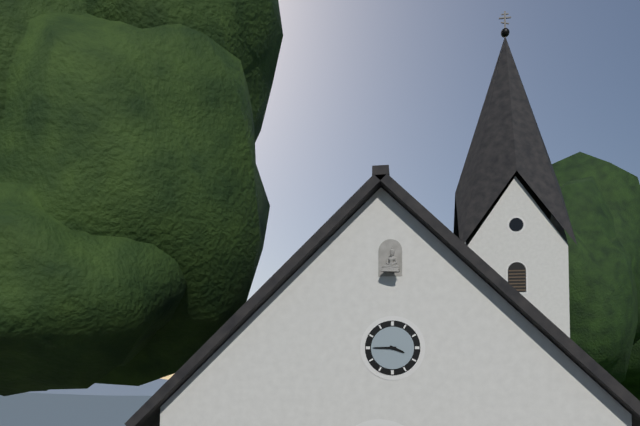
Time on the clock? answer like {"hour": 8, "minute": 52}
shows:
{"hour": 3, "minute": 45}
